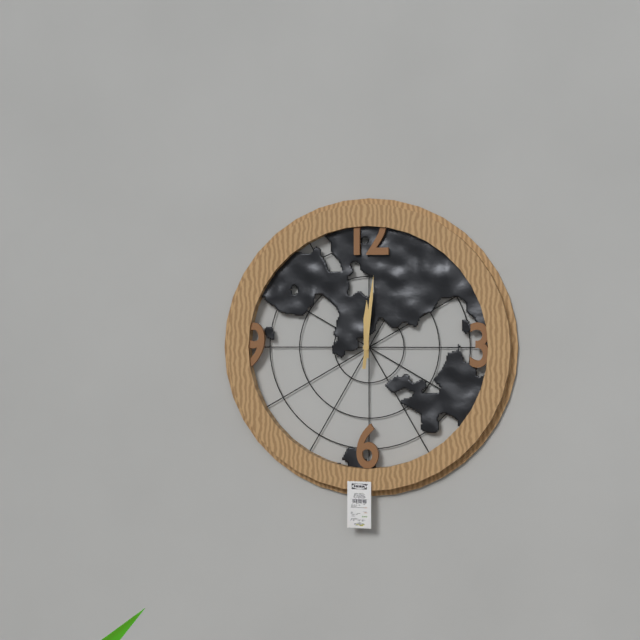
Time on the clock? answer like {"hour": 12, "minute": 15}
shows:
{"hour": 12, "minute": 1}
